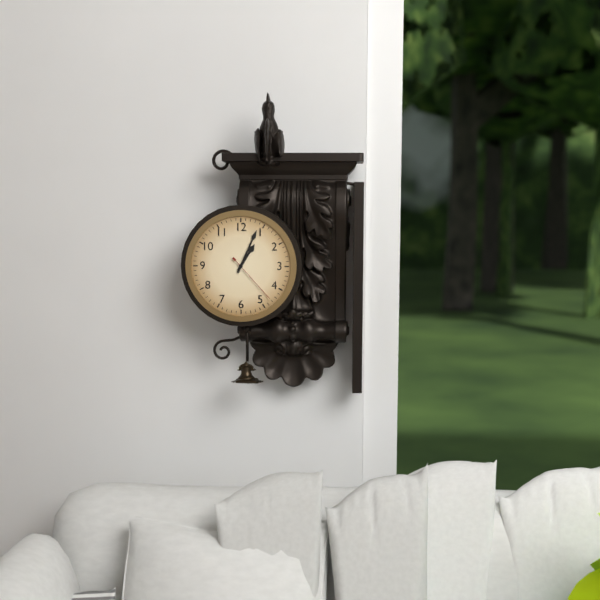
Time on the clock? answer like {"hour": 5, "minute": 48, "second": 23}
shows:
{"hour": 1, "minute": 4, "second": 23}
